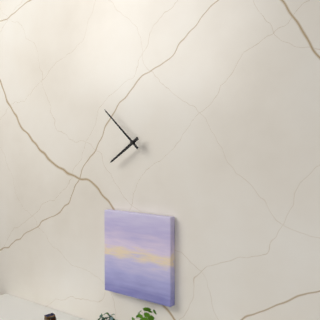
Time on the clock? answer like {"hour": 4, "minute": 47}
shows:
{"hour": 7, "minute": 52}
